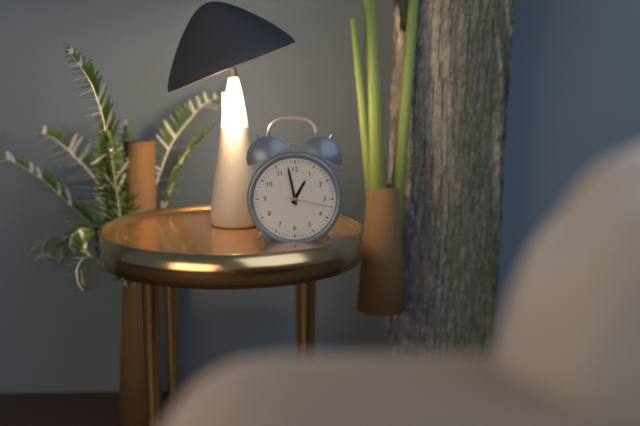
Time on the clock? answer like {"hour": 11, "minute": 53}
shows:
{"hour": 12, "minute": 58}
